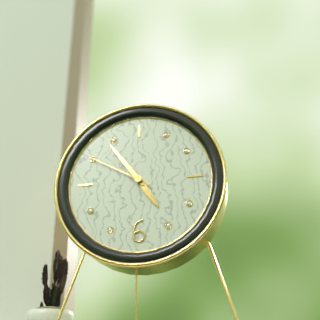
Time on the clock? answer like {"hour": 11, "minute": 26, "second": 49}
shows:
{"hour": 4, "minute": 54, "second": 50}
